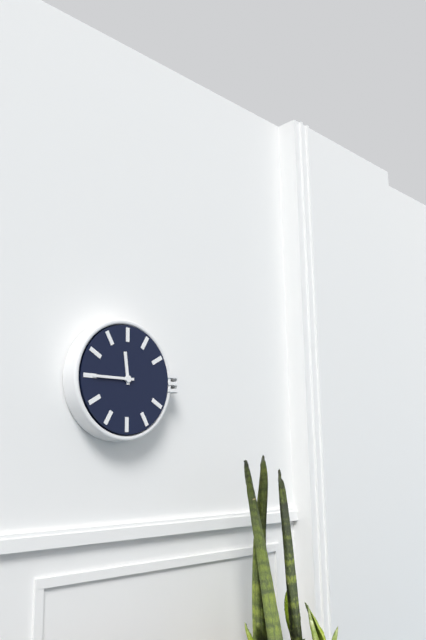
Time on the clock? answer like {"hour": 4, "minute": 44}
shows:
{"hour": 11, "minute": 45}
